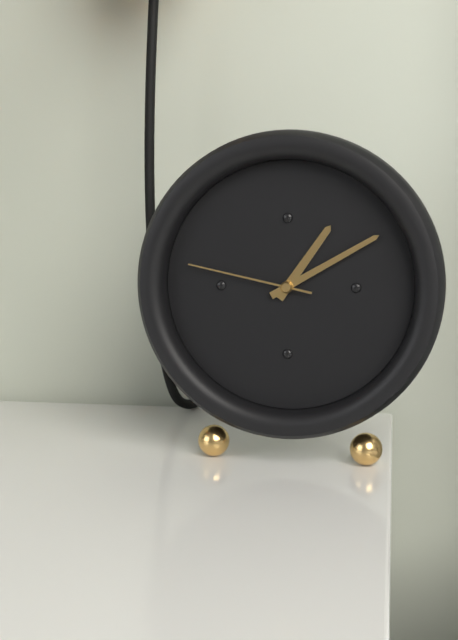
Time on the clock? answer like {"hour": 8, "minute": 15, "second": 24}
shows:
{"hour": 1, "minute": 10, "second": 47}
